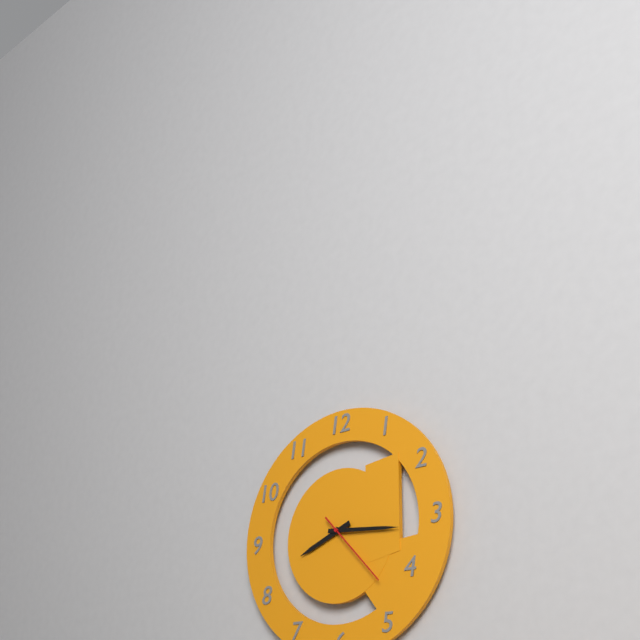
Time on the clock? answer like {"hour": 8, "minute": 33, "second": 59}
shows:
{"hour": 8, "minute": 16, "second": 23}
